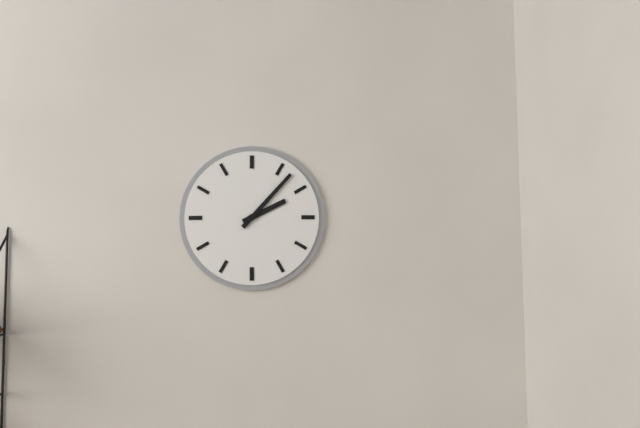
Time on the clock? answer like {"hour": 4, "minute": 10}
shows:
{"hour": 2, "minute": 7}
